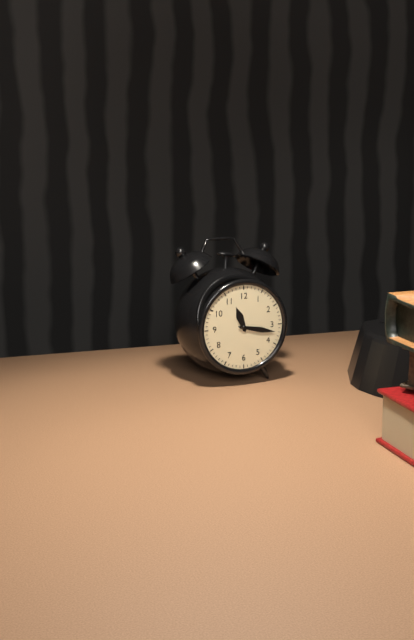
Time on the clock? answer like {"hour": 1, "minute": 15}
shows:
{"hour": 11, "minute": 17}
